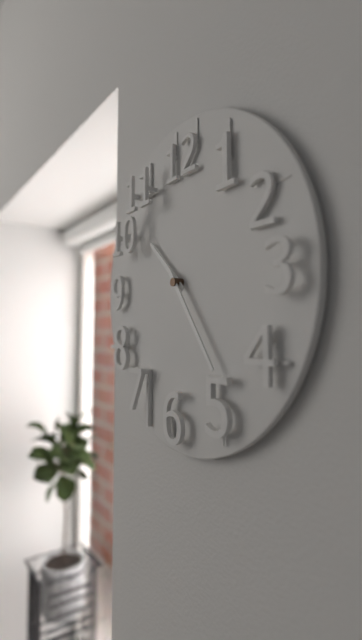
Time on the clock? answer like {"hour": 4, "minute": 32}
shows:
{"hour": 10, "minute": 24}
